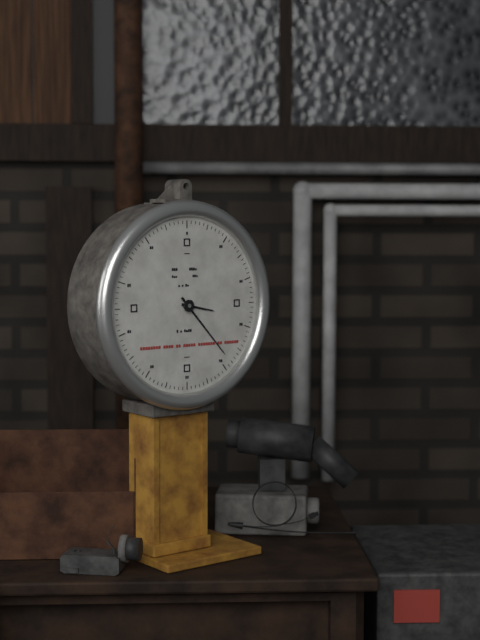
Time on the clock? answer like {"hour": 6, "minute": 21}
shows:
{"hour": 3, "minute": 23}
